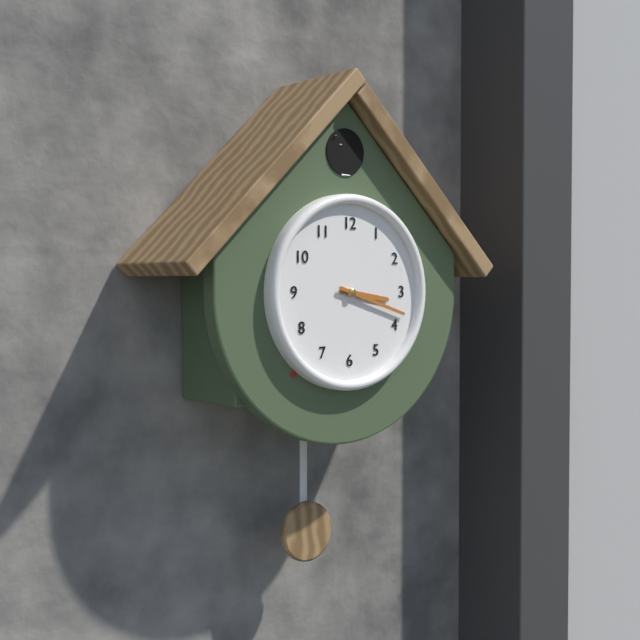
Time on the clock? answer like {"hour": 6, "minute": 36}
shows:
{"hour": 3, "minute": 18}
